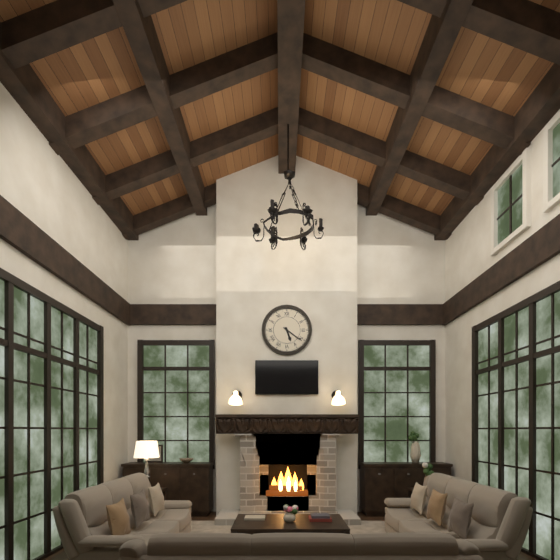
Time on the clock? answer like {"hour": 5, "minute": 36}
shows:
{"hour": 5, "minute": 21}
